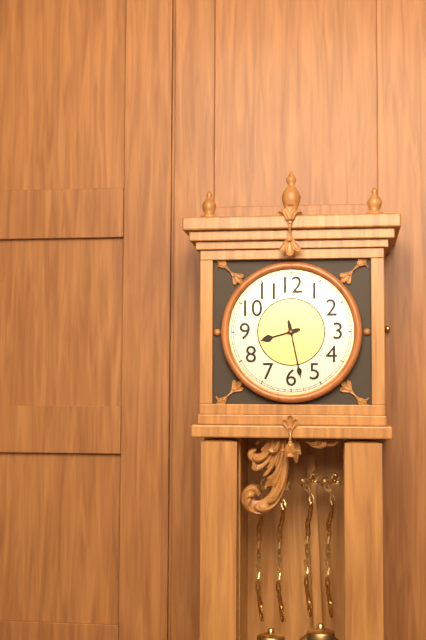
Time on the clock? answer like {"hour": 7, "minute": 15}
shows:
{"hour": 8, "minute": 28}
